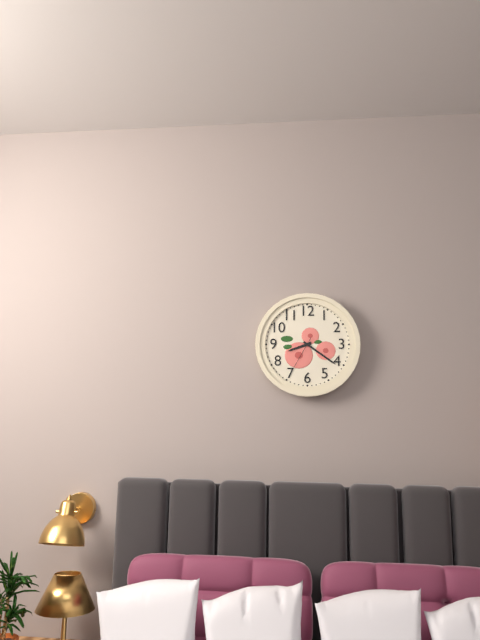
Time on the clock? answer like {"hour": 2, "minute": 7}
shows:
{"hour": 8, "minute": 21}
